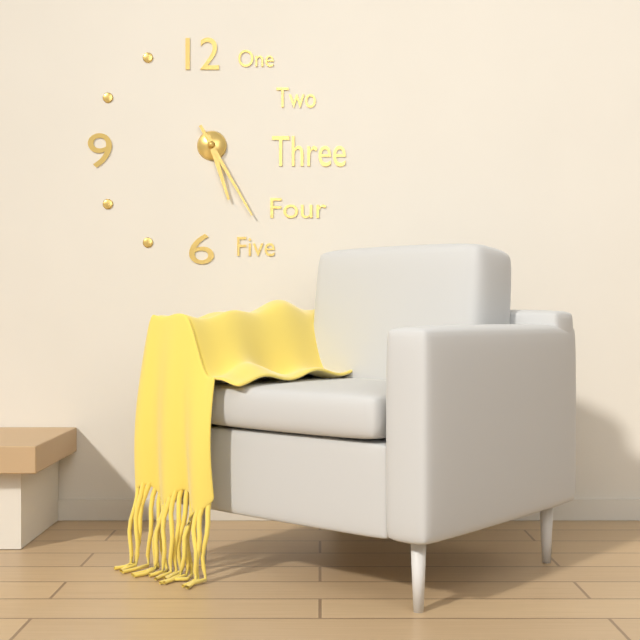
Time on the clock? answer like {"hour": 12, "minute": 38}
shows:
{"hour": 5, "minute": 25}
